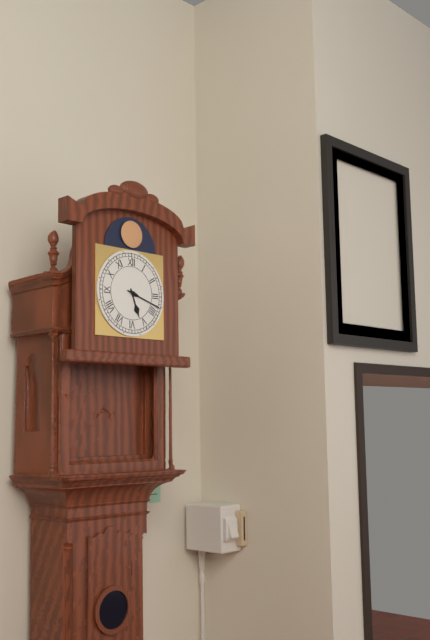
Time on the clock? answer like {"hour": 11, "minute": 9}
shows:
{"hour": 5, "minute": 18}
